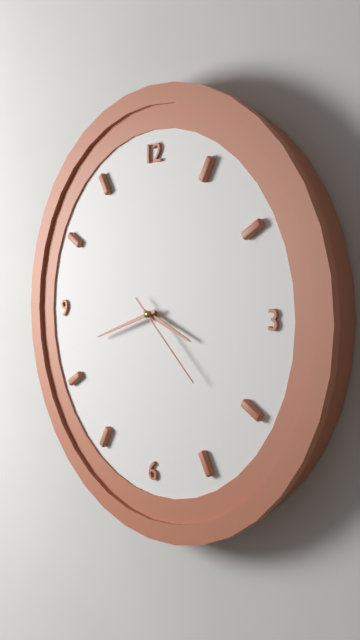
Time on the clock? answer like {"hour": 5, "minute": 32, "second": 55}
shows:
{"hour": 3, "minute": 42, "second": 22}
